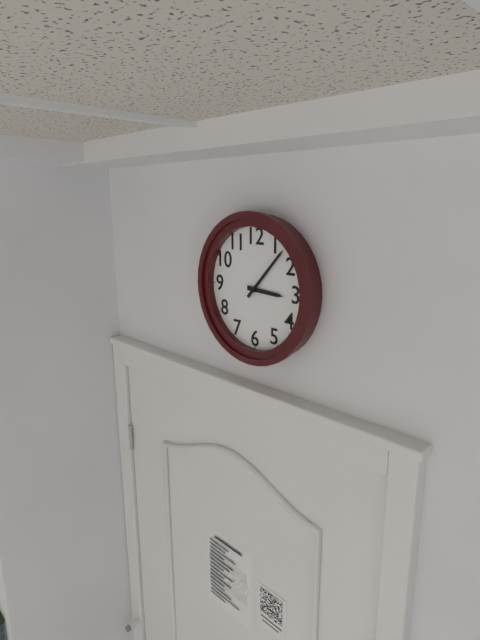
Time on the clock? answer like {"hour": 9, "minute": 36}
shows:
{"hour": 3, "minute": 7}
